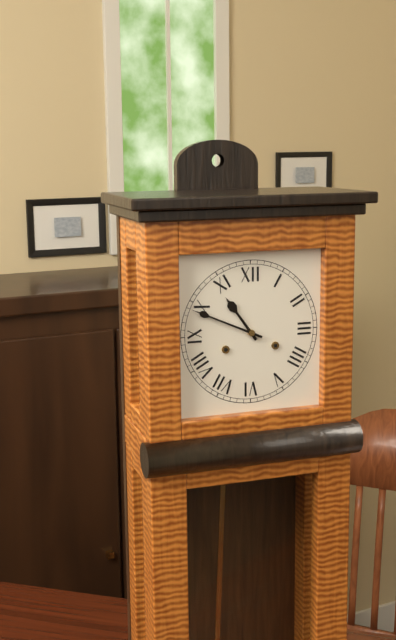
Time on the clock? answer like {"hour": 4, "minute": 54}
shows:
{"hour": 10, "minute": 49}
